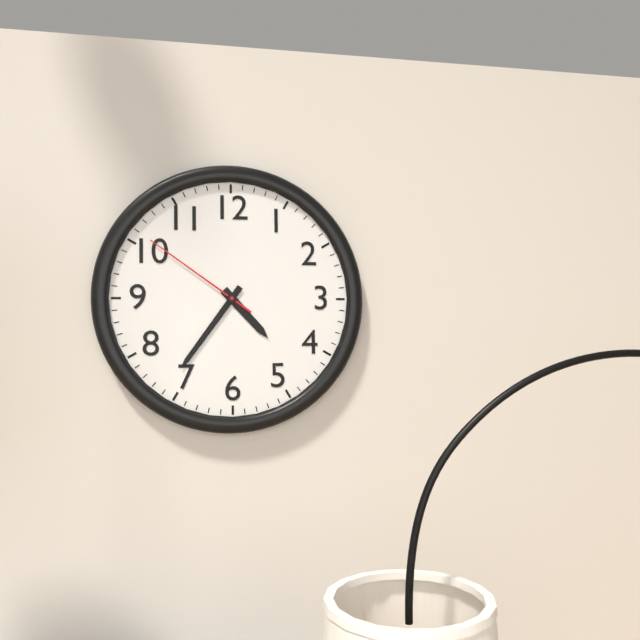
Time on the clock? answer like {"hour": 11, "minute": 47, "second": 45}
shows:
{"hour": 4, "minute": 36, "second": 51}
